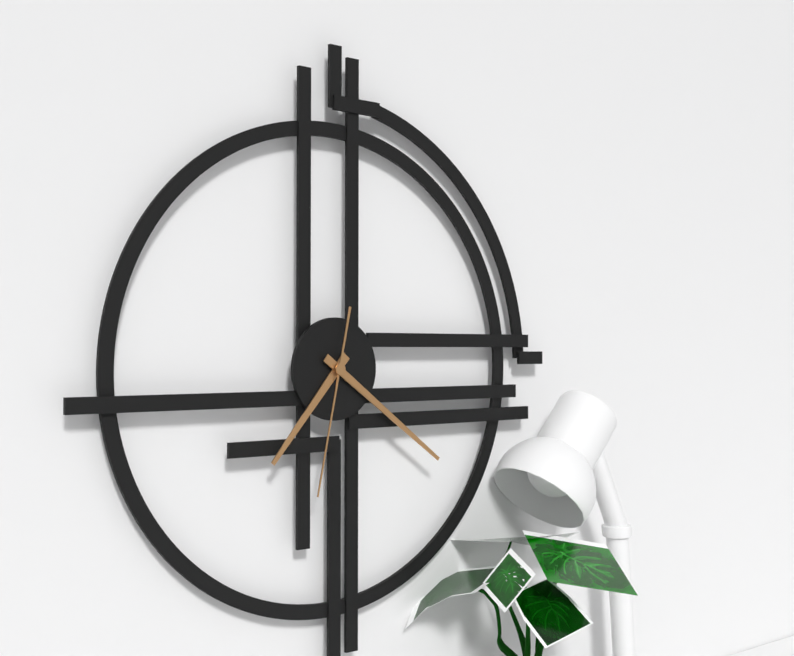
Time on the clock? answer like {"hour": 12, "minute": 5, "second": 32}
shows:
{"hour": 7, "minute": 21, "second": 32}
